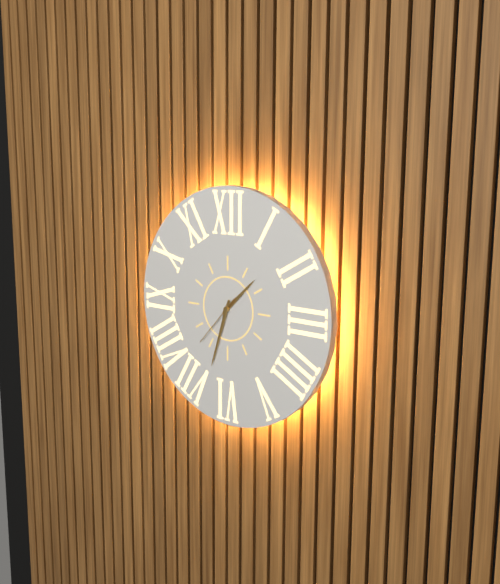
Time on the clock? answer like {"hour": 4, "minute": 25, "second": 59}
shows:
{"hour": 1, "minute": 33, "second": 37}
